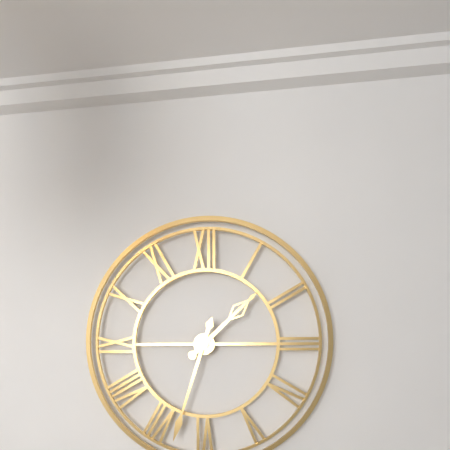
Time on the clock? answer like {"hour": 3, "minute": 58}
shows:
{"hour": 1, "minute": 33}
